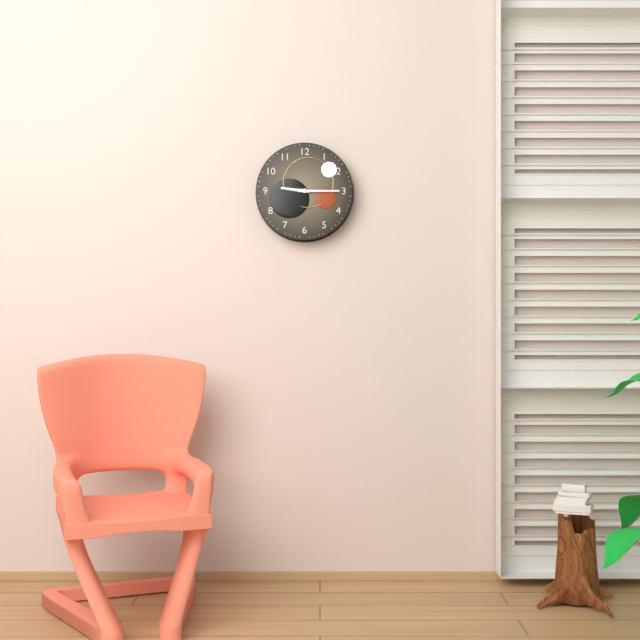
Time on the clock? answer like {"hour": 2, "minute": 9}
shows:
{"hour": 9, "minute": 15}
